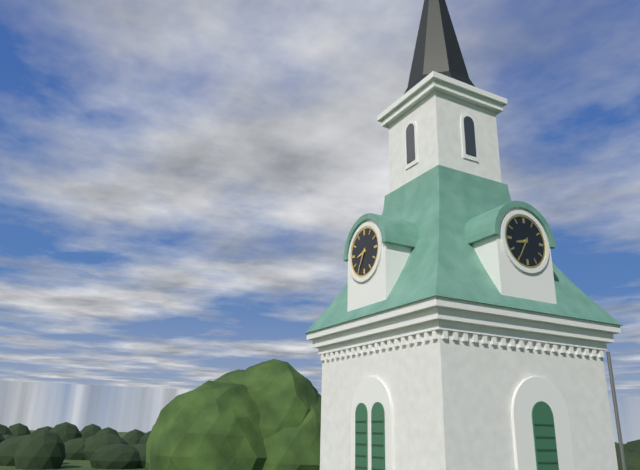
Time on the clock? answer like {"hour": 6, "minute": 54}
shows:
{"hour": 8, "minute": 35}
